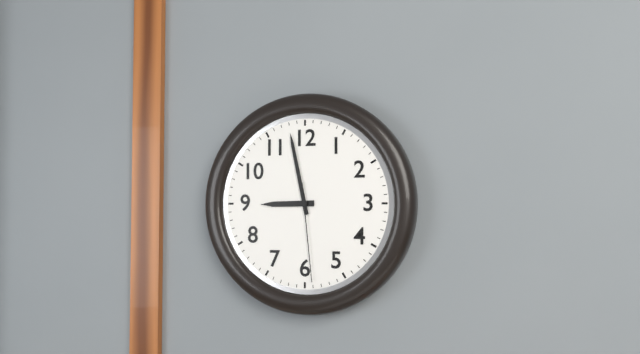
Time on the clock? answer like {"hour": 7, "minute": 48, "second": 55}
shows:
{"hour": 8, "minute": 58, "second": 29}
